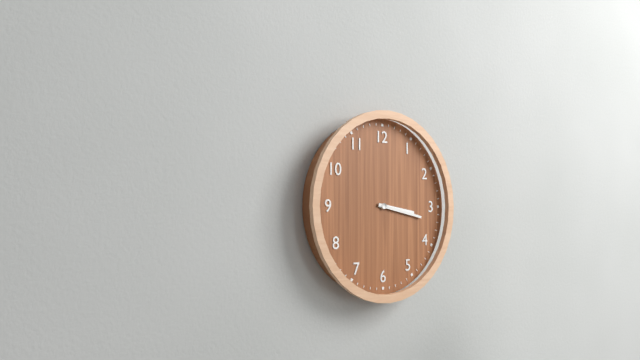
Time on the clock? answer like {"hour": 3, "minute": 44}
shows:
{"hour": 3, "minute": 17}
